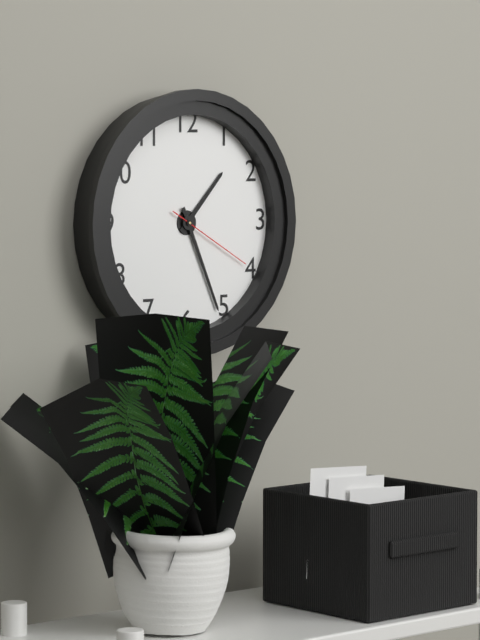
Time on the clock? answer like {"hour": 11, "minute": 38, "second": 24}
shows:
{"hour": 1, "minute": 26, "second": 20}
